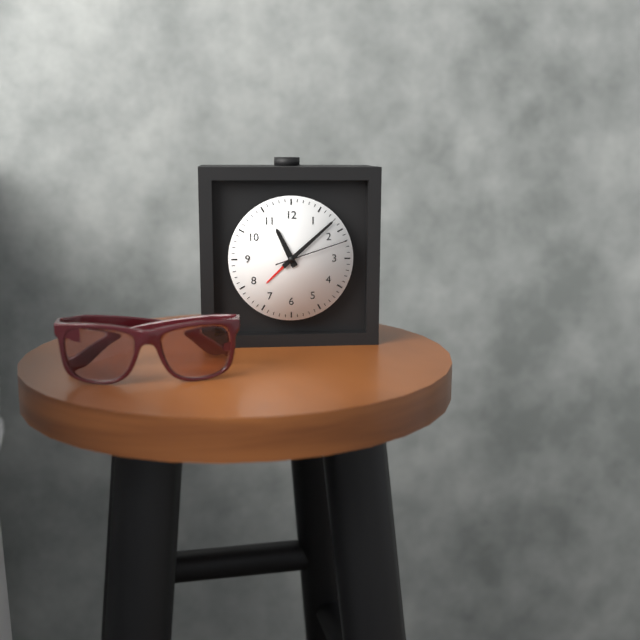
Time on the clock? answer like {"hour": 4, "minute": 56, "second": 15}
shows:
{"hour": 11, "minute": 8, "second": 12}
